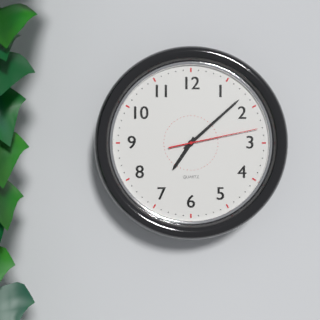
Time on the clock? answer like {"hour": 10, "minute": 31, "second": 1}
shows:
{"hour": 7, "minute": 8, "second": 13}
